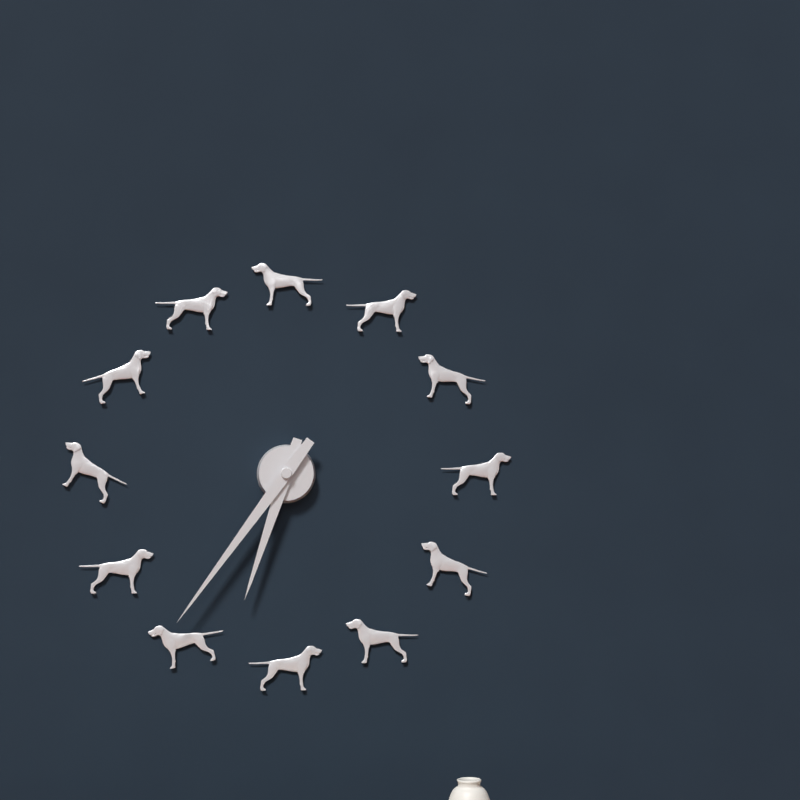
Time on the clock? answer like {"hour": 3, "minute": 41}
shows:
{"hour": 6, "minute": 36}
